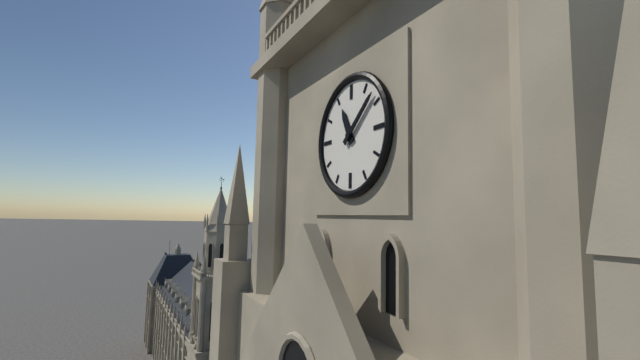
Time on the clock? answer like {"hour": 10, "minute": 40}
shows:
{"hour": 11, "minute": 8}
